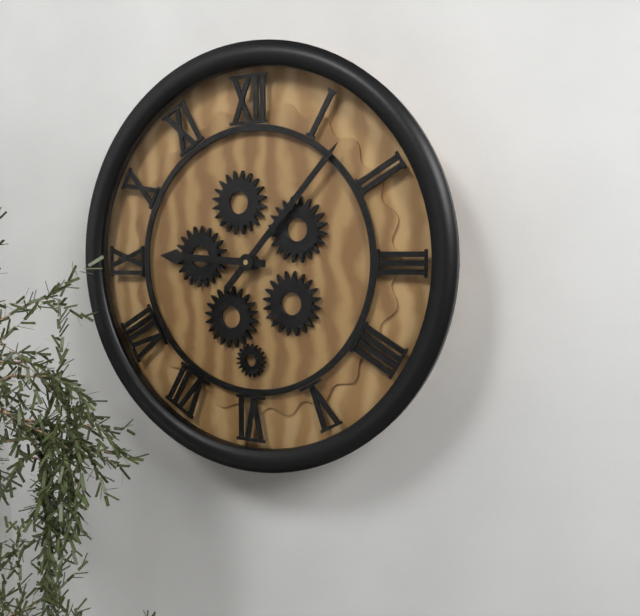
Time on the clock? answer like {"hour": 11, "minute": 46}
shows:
{"hour": 9, "minute": 7}
